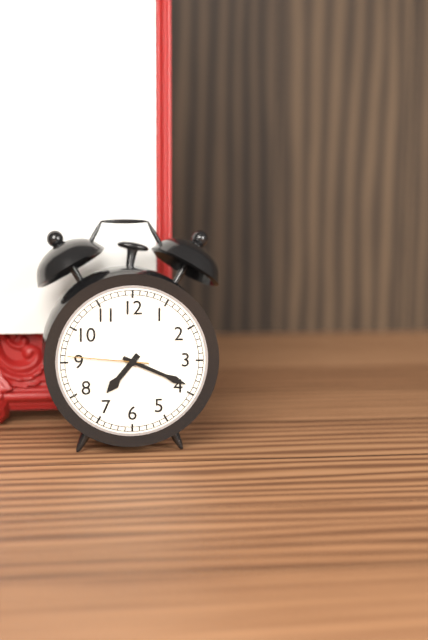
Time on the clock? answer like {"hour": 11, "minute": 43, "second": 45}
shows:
{"hour": 7, "minute": 19, "second": 46}
